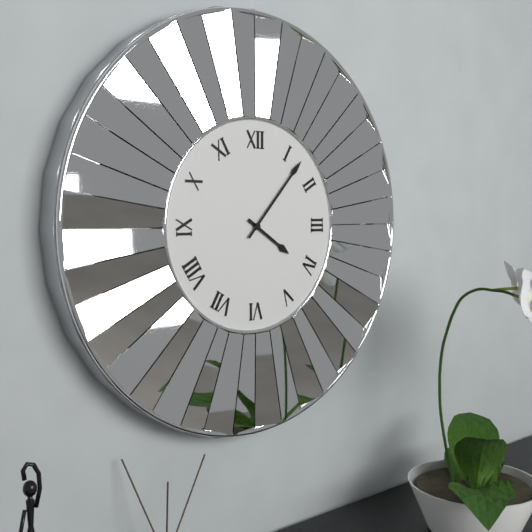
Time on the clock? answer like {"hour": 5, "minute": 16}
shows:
{"hour": 4, "minute": 7}
